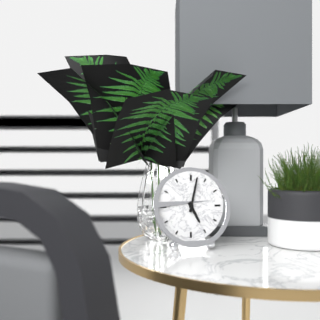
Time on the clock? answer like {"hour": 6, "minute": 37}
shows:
{"hour": 5, "minute": 2}
